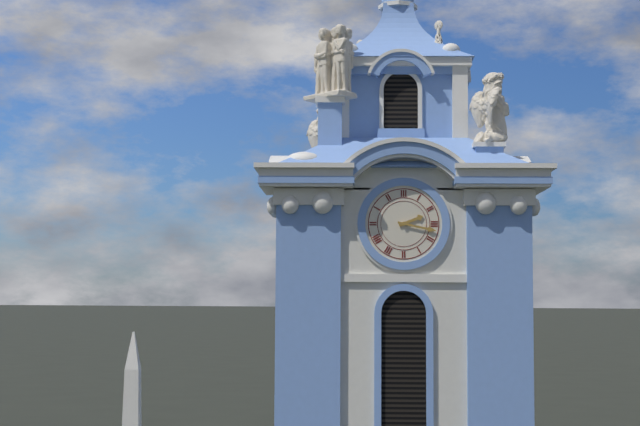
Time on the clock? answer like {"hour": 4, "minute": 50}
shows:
{"hour": 2, "minute": 17}
